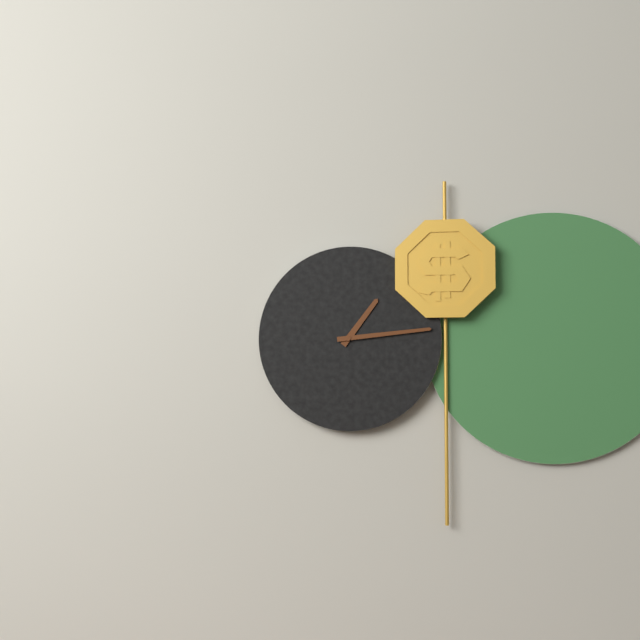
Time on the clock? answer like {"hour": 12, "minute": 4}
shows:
{"hour": 1, "minute": 14}
